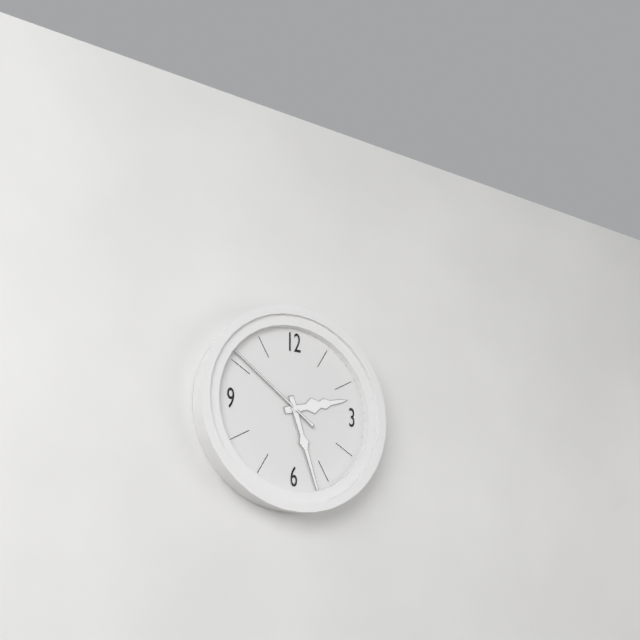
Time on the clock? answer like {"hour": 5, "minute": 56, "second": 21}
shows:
{"hour": 2, "minute": 27, "second": 51}
